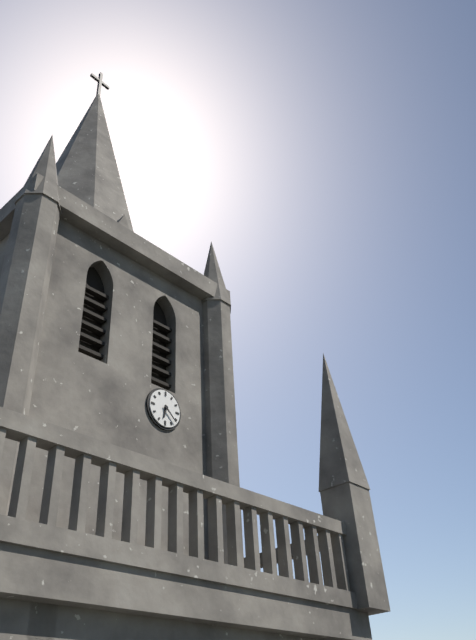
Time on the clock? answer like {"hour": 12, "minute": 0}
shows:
{"hour": 6, "minute": 22}
